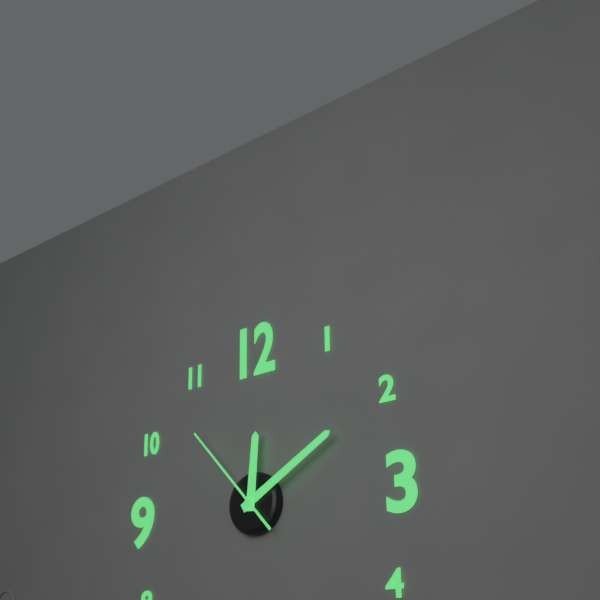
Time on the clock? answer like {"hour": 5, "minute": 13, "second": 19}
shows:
{"hour": 12, "minute": 10, "second": 53}
